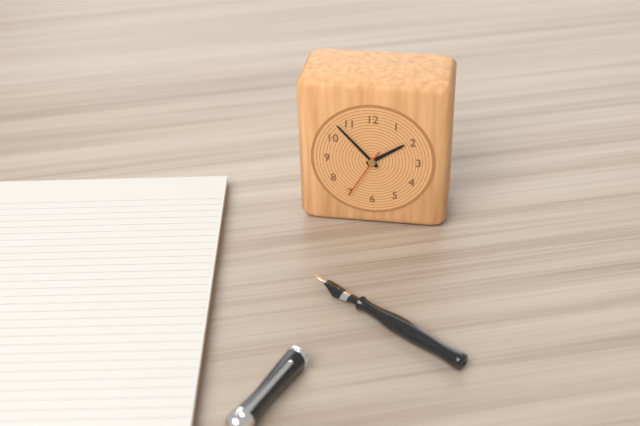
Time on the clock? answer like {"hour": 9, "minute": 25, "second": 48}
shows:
{"hour": 1, "minute": 53, "second": 35}
